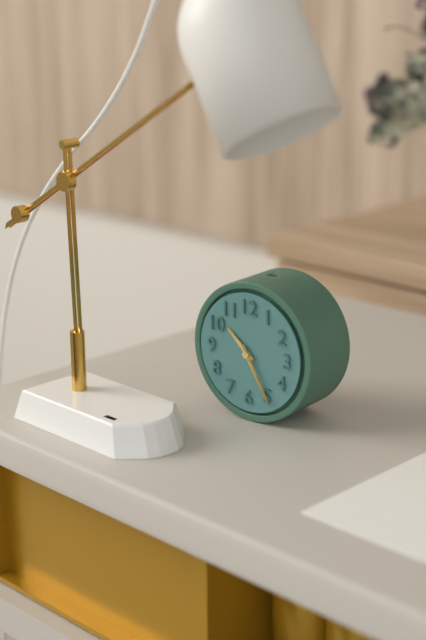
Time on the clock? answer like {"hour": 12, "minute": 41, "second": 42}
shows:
{"hour": 10, "minute": 25, "second": 25}
